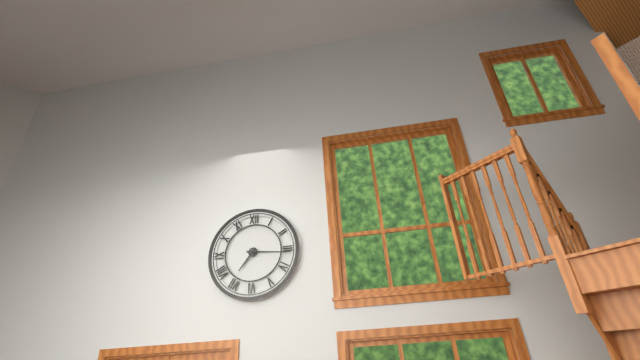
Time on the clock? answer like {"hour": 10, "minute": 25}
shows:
{"hour": 7, "minute": 16}
